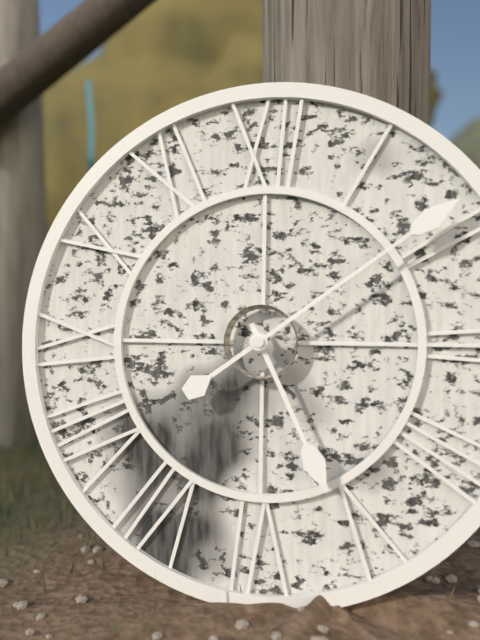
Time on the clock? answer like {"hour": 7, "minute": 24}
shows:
{"hour": 5, "minute": 9}
